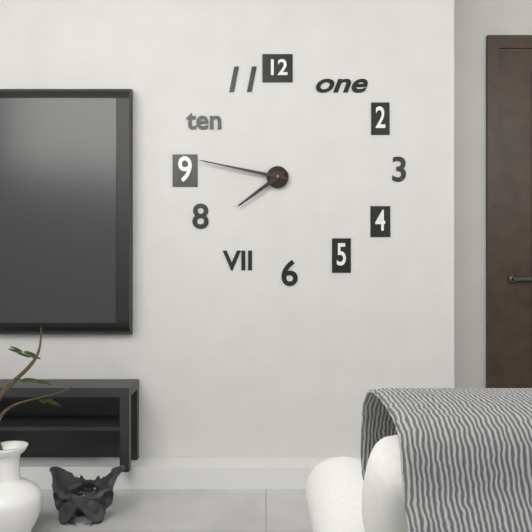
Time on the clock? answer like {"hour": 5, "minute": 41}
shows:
{"hour": 7, "minute": 47}
